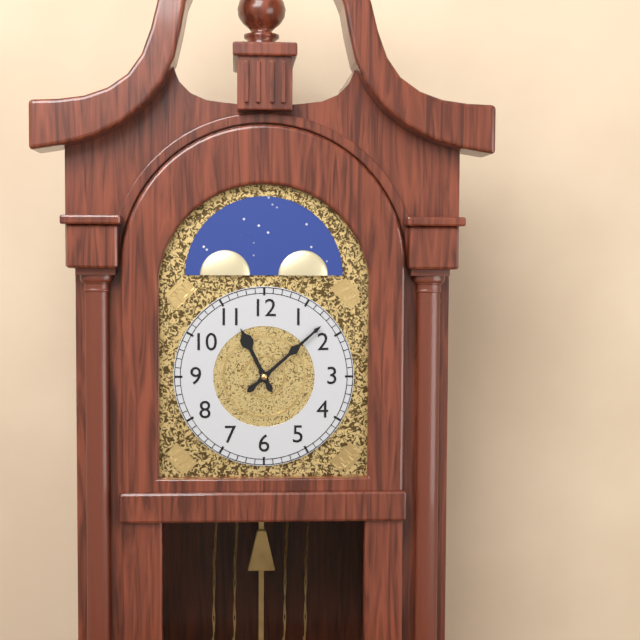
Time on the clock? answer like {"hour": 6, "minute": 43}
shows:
{"hour": 11, "minute": 8}
